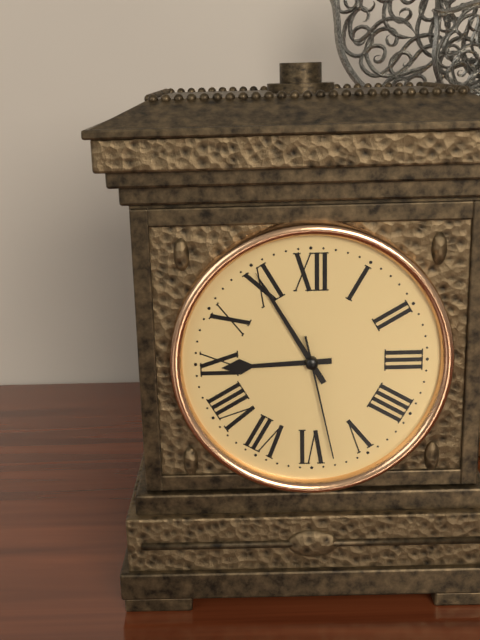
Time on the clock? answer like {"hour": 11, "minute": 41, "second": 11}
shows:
{"hour": 8, "minute": 55, "second": 28}
